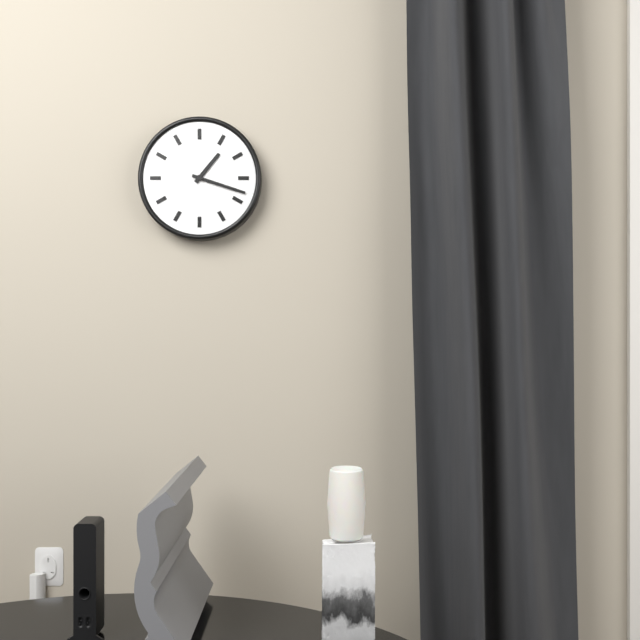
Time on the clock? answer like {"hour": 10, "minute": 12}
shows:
{"hour": 1, "minute": 18}
